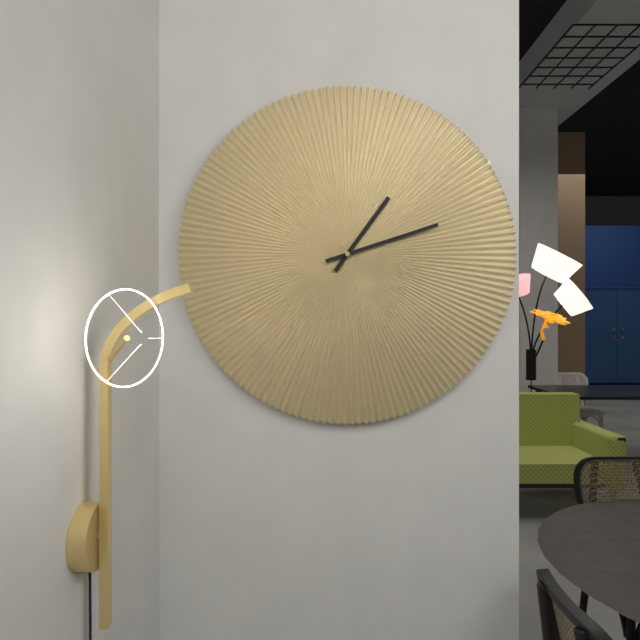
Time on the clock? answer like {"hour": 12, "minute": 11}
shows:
{"hour": 1, "minute": 12}
